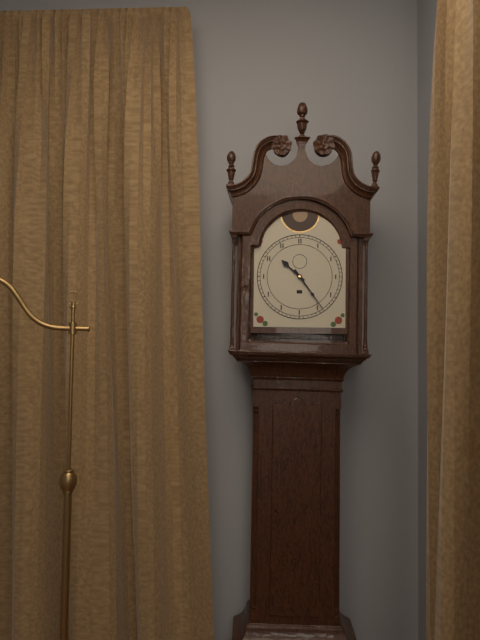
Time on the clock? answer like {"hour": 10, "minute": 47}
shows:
{"hour": 10, "minute": 24}
